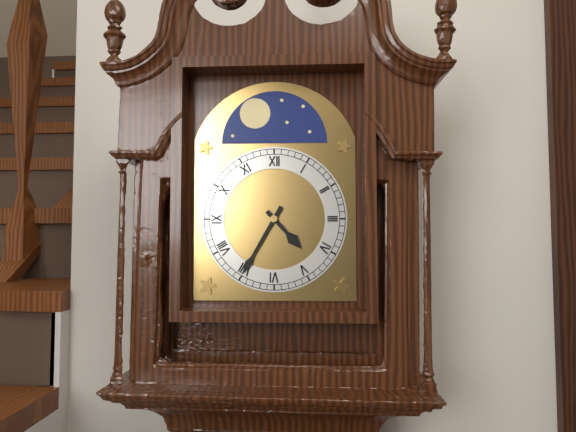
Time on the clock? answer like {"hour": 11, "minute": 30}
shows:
{"hour": 4, "minute": 35}
